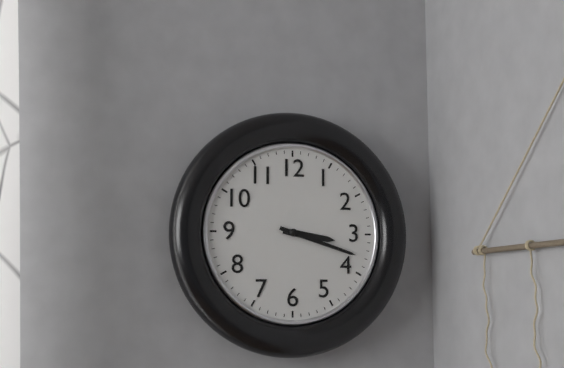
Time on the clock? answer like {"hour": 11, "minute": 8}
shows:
{"hour": 3, "minute": 18}
